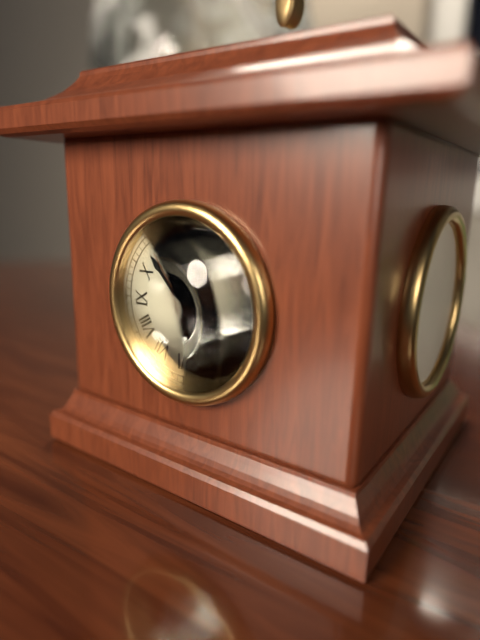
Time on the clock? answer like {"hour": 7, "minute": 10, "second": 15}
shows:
{"hour": 3, "minute": 53, "second": 54}
